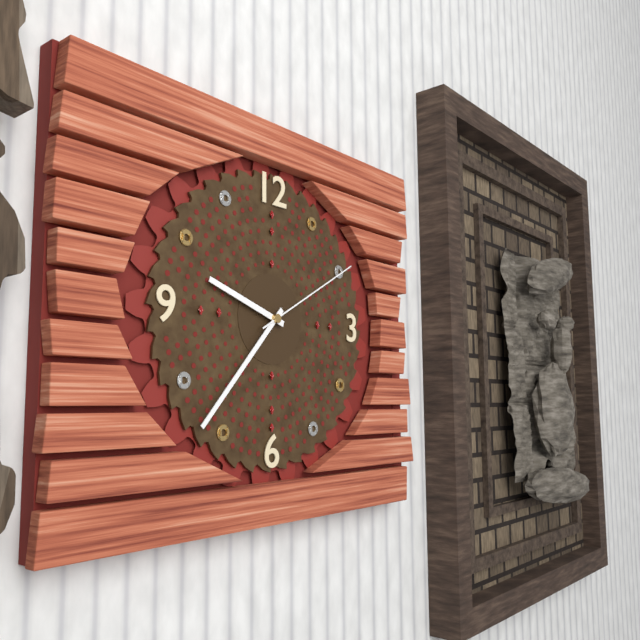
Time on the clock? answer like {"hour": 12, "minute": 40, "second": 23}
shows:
{"hour": 9, "minute": 37, "second": 10}
